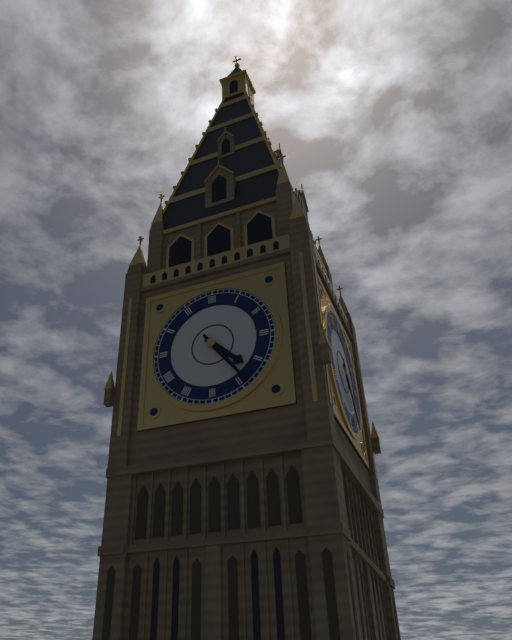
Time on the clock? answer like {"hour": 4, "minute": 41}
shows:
{"hour": 4, "minute": 24}
